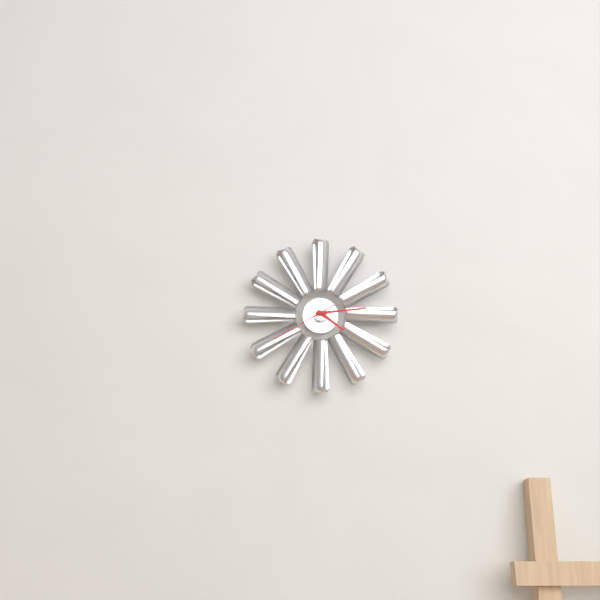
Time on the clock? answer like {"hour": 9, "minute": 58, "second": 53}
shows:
{"hour": 4, "minute": 14, "second": 40}
